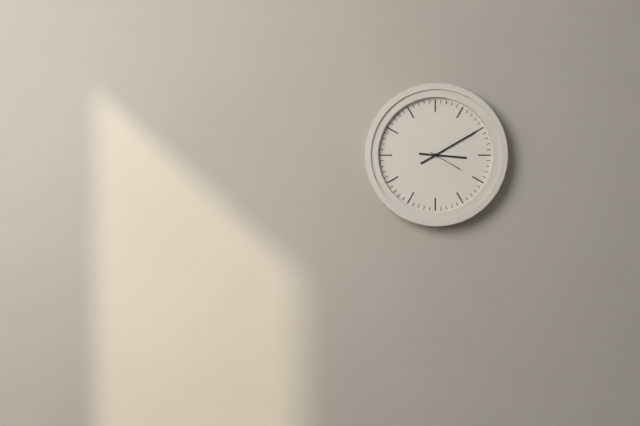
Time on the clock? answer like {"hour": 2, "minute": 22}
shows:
{"hour": 3, "minute": 10}
